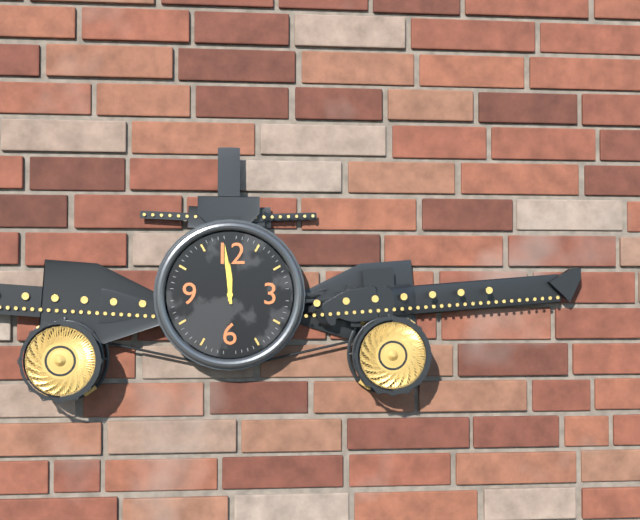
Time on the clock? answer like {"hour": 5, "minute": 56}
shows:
{"hour": 11, "minute": 59}
